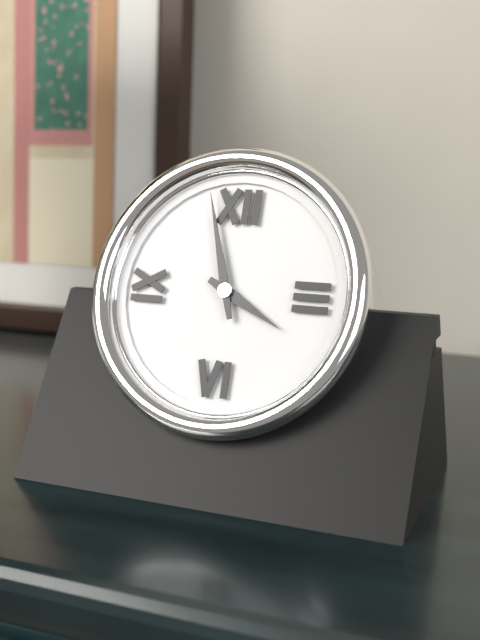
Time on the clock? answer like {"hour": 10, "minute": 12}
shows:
{"hour": 3, "minute": 57}
